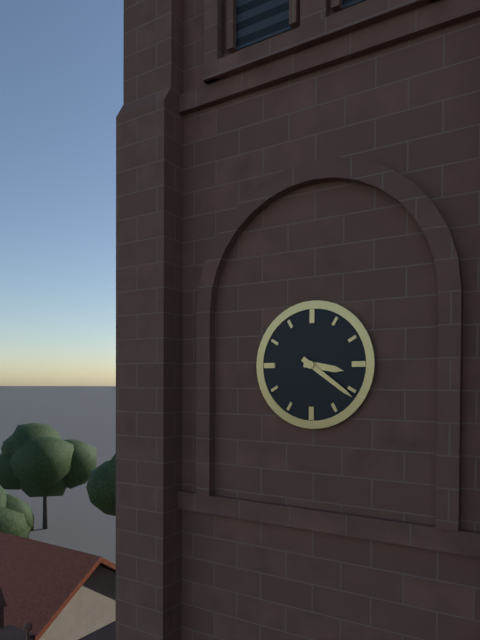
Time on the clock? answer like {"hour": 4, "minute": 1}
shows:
{"hour": 3, "minute": 21}
